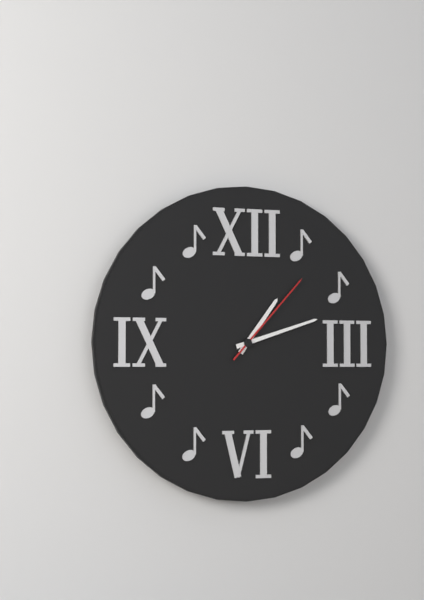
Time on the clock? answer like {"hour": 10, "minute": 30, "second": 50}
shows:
{"hour": 1, "minute": 12, "second": 7}
